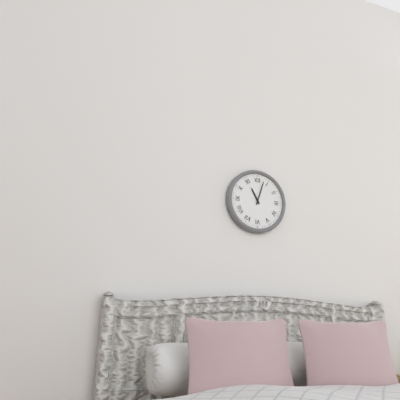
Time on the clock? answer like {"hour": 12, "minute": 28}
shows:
{"hour": 11, "minute": 3}
